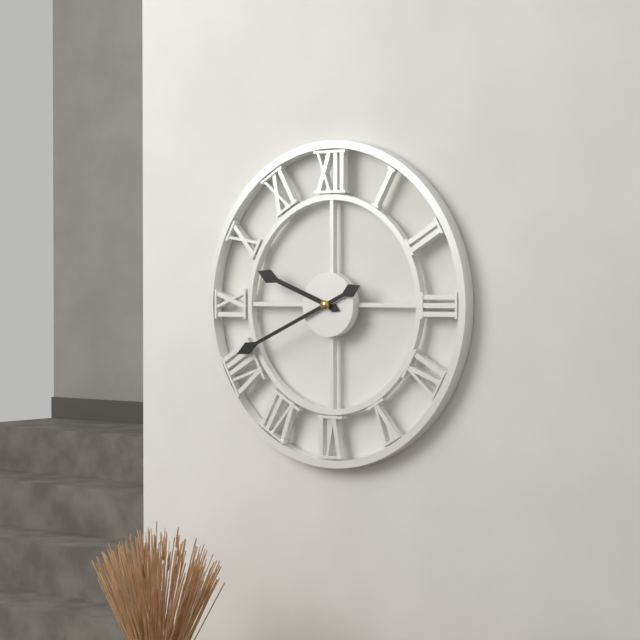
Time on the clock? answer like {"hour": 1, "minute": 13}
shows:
{"hour": 9, "minute": 41}
